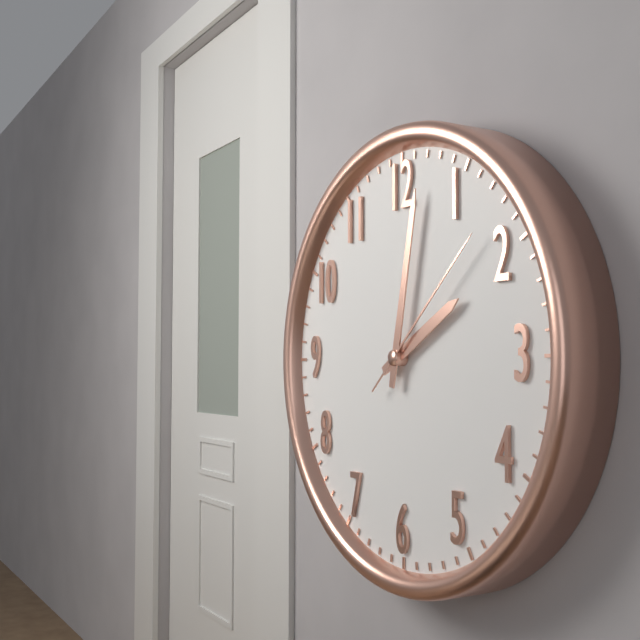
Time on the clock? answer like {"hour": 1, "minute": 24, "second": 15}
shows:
{"hour": 2, "minute": 2, "second": 8}
